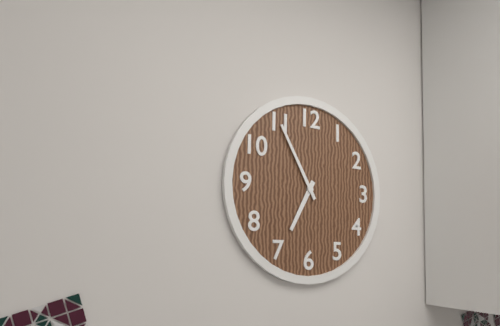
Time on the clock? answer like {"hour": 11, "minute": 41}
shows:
{"hour": 6, "minute": 55}
